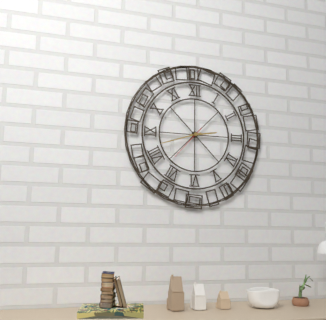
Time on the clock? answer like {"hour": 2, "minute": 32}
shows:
{"hour": 2, "minute": 42}
